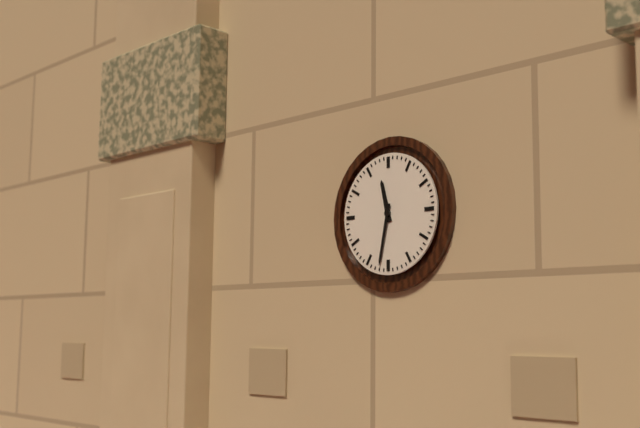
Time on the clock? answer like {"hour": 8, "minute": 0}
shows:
{"hour": 11, "minute": 32}
